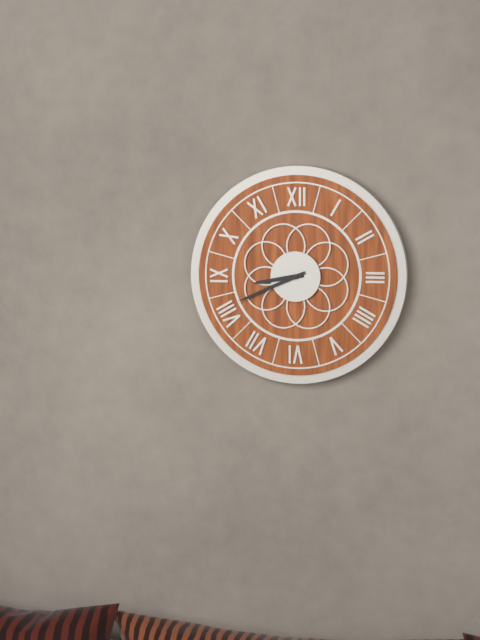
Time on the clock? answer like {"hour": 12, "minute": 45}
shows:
{"hour": 8, "minute": 41}
